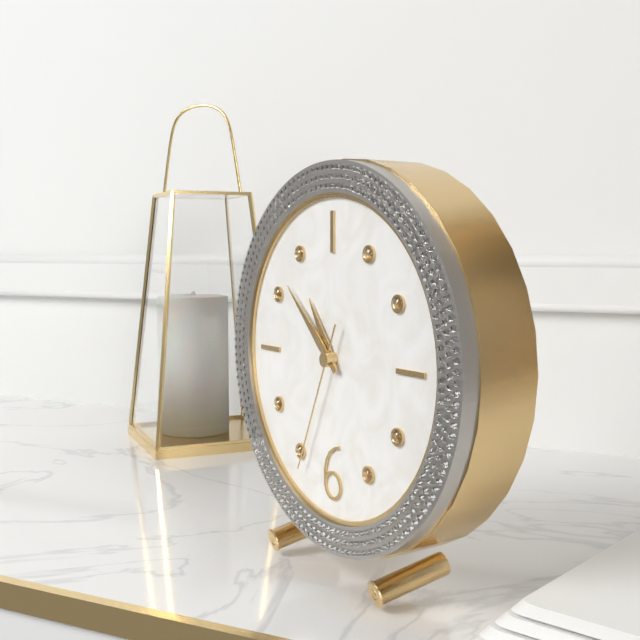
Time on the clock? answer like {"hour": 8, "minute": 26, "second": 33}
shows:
{"hour": 10, "minute": 52, "second": 34}
